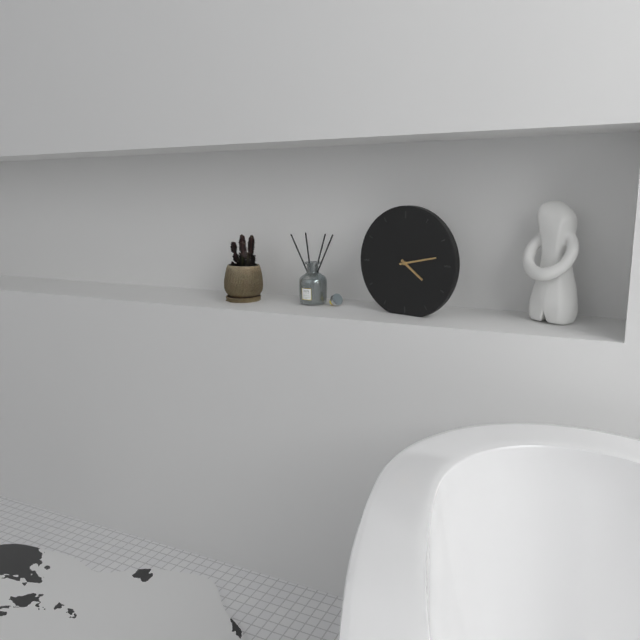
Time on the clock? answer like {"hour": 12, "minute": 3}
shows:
{"hour": 4, "minute": 13}
